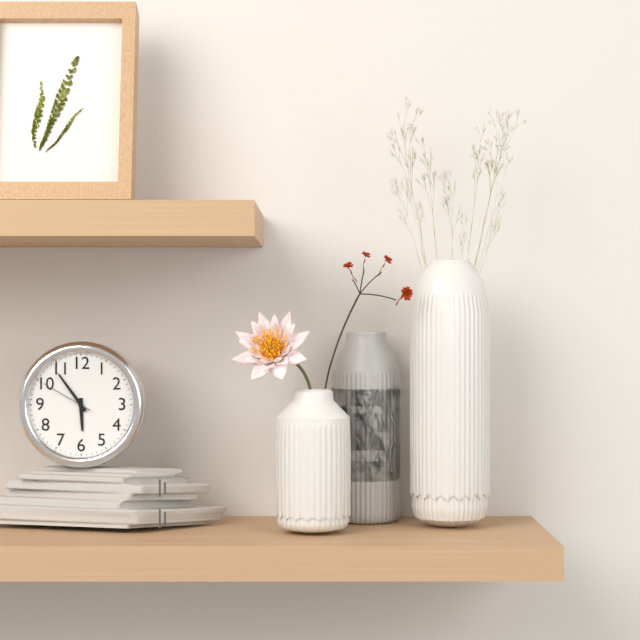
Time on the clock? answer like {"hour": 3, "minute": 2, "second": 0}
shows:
{"hour": 5, "minute": 54, "second": 50}
